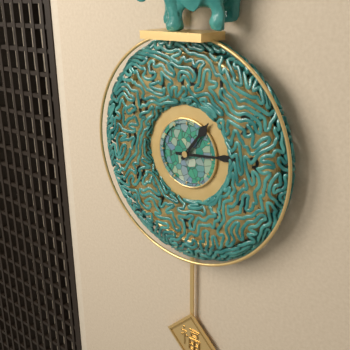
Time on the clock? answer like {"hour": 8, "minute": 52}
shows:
{"hour": 1, "minute": 14}
